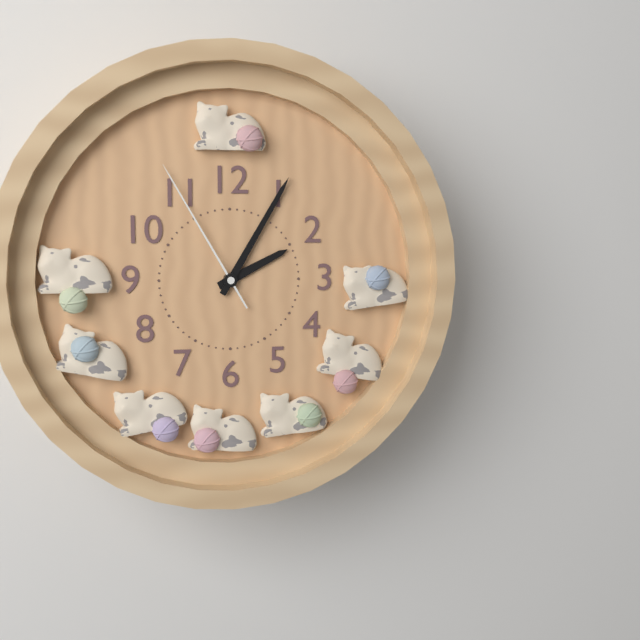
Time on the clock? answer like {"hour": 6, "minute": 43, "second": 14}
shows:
{"hour": 2, "minute": 5, "second": 55}
